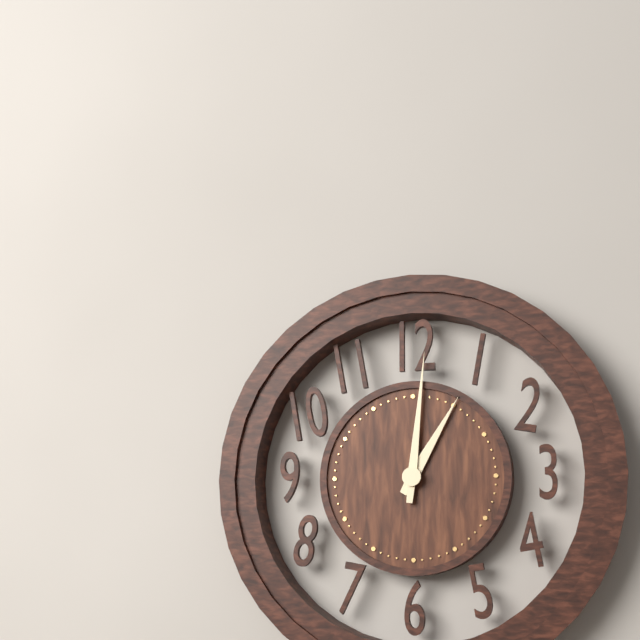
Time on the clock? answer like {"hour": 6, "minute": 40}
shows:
{"hour": 1, "minute": 1}
